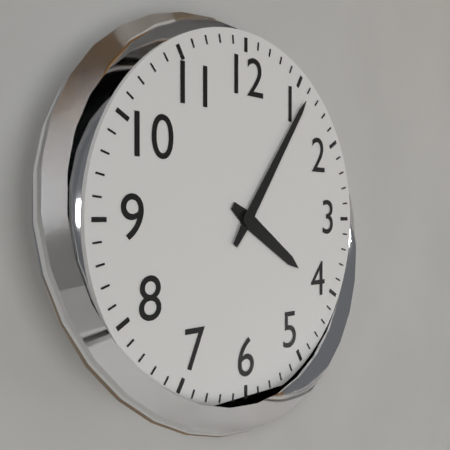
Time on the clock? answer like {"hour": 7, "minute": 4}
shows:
{"hour": 4, "minute": 6}
